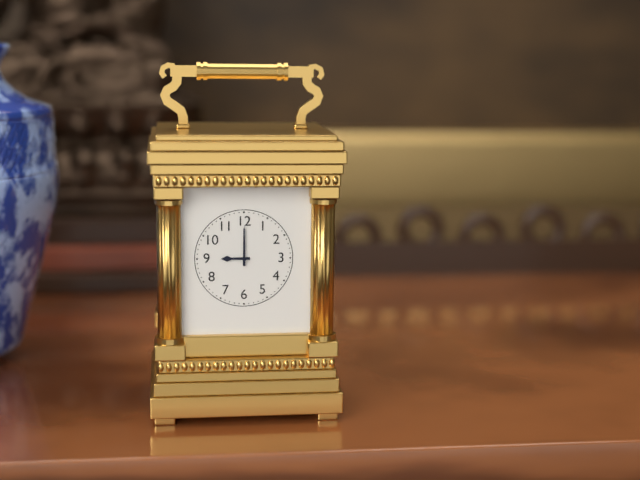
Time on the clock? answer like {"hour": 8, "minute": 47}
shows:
{"hour": 9, "minute": 0}
